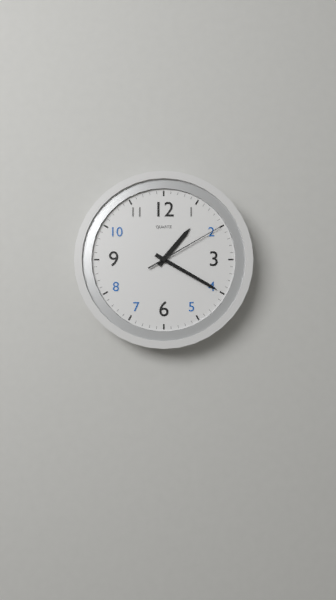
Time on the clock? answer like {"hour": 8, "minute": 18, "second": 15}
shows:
{"hour": 1, "minute": 20, "second": 10}
